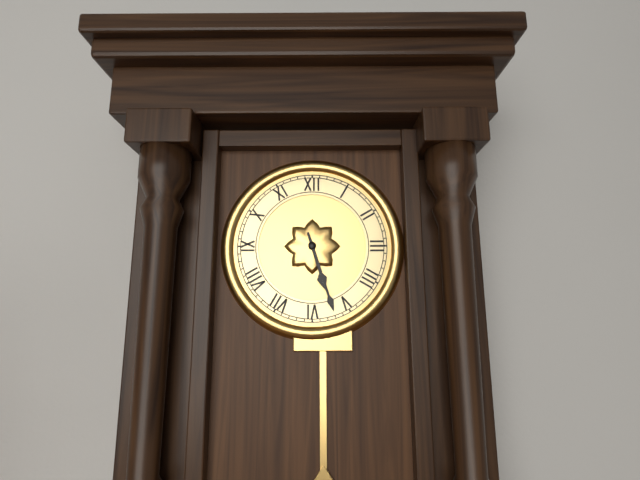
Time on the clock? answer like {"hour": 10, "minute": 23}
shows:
{"hour": 5, "minute": 27}
